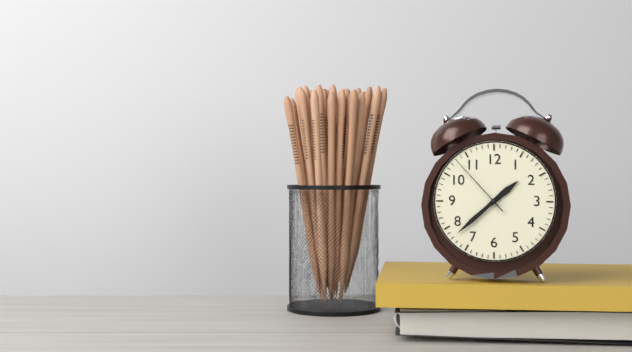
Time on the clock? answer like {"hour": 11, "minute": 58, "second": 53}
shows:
{"hour": 1, "minute": 38, "second": 53}
